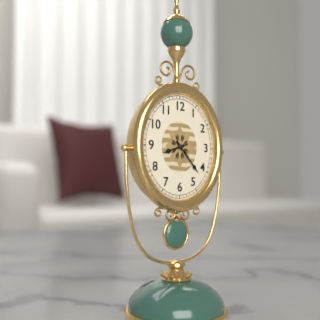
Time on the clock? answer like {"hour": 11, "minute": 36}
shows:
{"hour": 8, "minute": 23}
